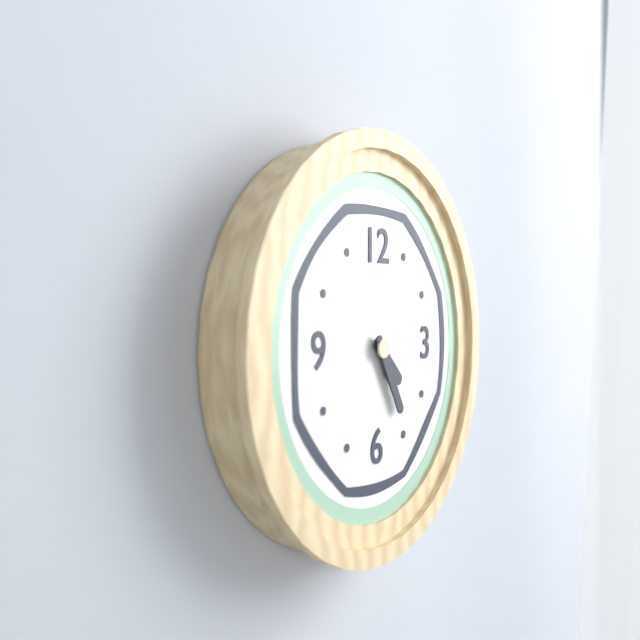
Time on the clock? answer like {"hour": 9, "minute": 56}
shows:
{"hour": 4, "minute": 25}
